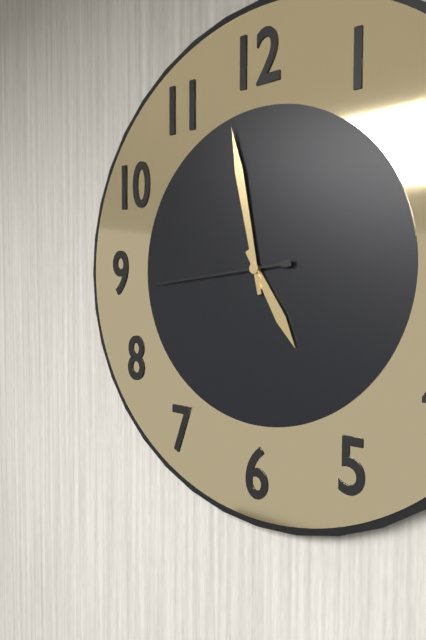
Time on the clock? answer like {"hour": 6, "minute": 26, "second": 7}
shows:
{"hour": 4, "minute": 58, "second": 44}
